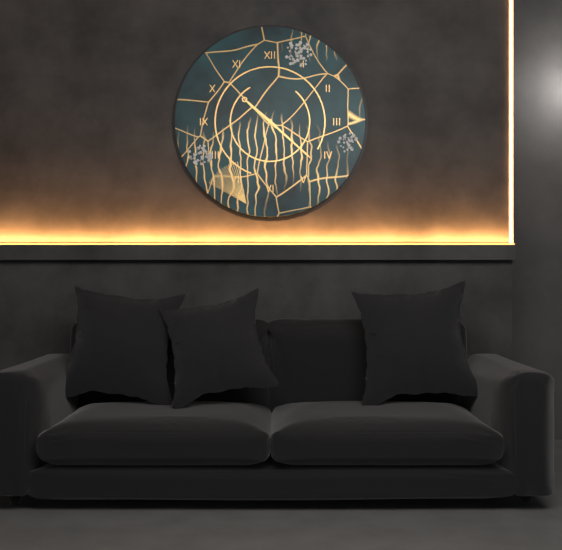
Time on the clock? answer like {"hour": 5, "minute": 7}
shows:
{"hour": 10, "minute": 22}
